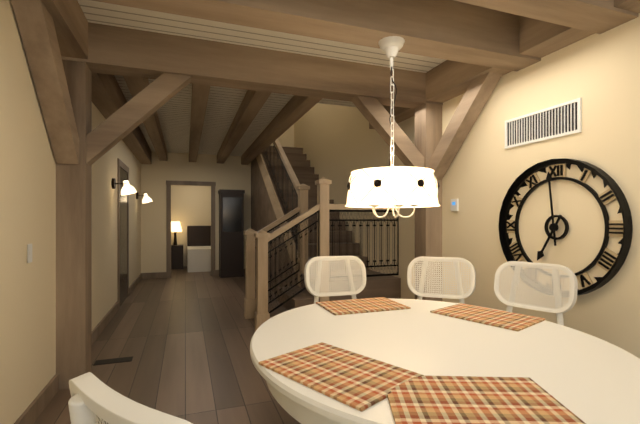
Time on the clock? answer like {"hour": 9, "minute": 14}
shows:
{"hour": 6, "minute": 59}
